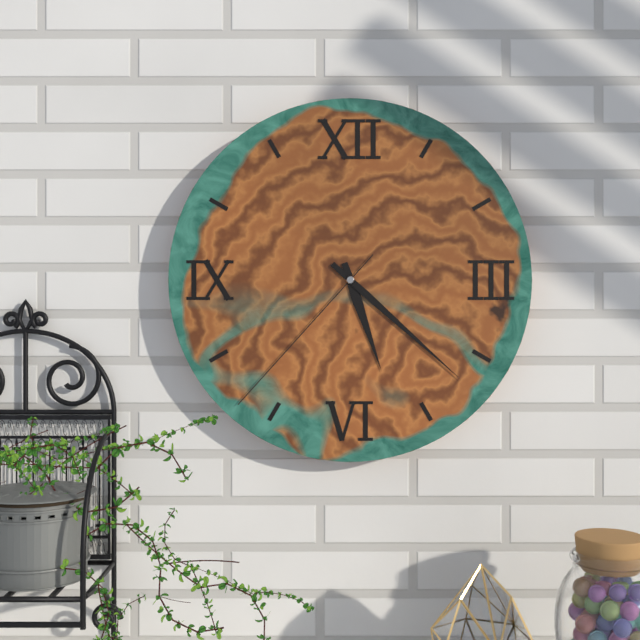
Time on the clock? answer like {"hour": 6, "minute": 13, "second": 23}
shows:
{"hour": 5, "minute": 22, "second": 37}
